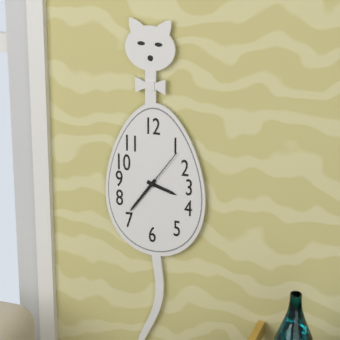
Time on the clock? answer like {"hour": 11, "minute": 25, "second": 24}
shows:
{"hour": 3, "minute": 36, "second": 6}
